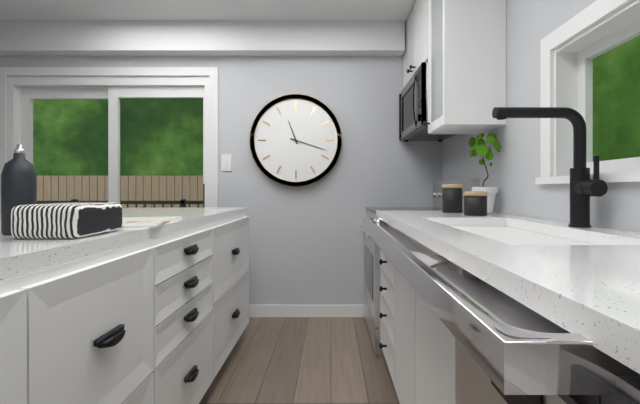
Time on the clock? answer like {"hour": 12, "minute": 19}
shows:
{"hour": 11, "minute": 18}
